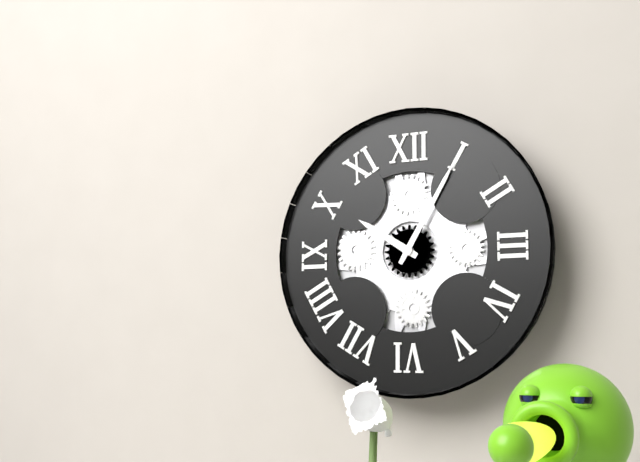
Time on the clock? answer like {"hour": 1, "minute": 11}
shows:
{"hour": 10, "minute": 5}
